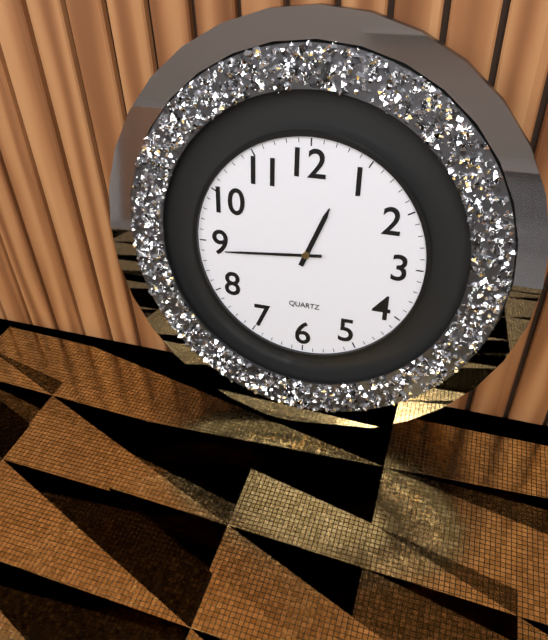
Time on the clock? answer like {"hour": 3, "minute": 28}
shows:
{"hour": 12, "minute": 44}
